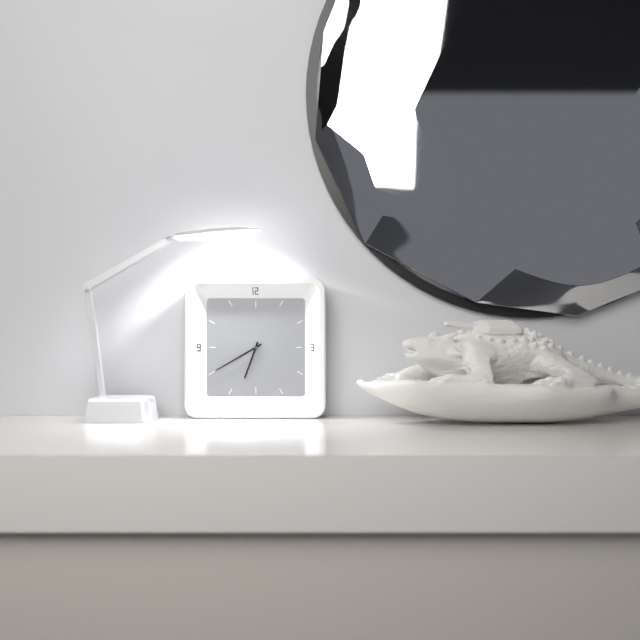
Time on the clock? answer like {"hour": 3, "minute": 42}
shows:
{"hour": 6, "minute": 40}
